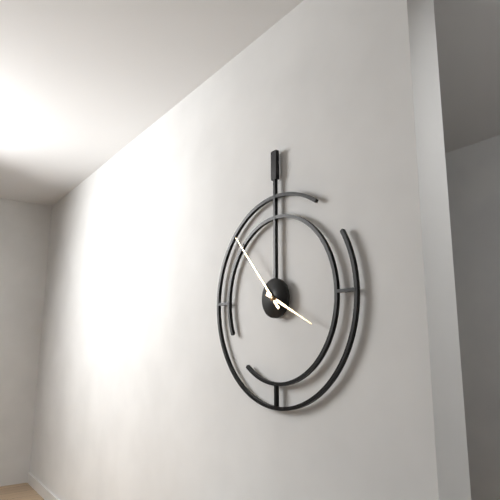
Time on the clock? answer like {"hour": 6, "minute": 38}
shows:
{"hour": 3, "minute": 53}
